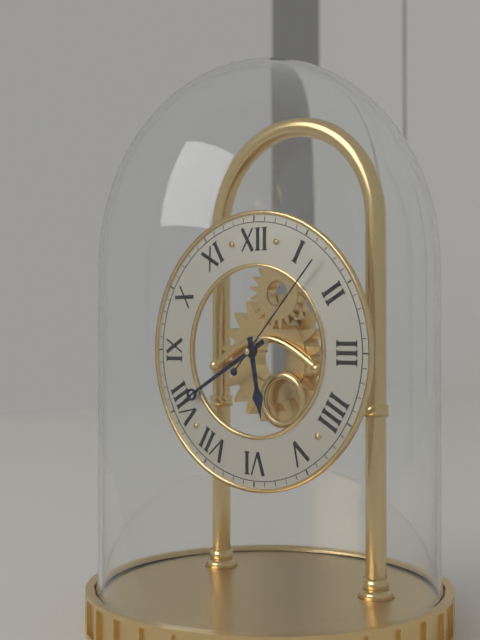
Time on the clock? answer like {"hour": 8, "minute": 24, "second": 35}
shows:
{"hour": 5, "minute": 40, "second": 7}
